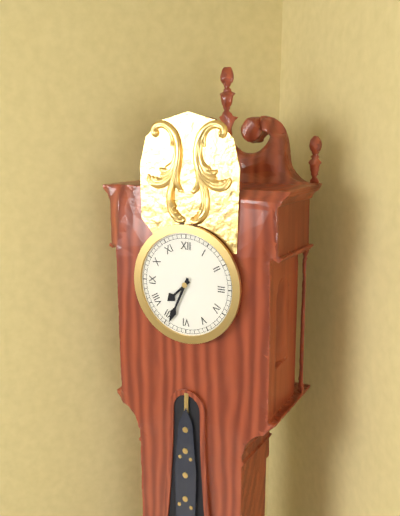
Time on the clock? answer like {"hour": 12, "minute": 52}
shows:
{"hour": 7, "minute": 34}
